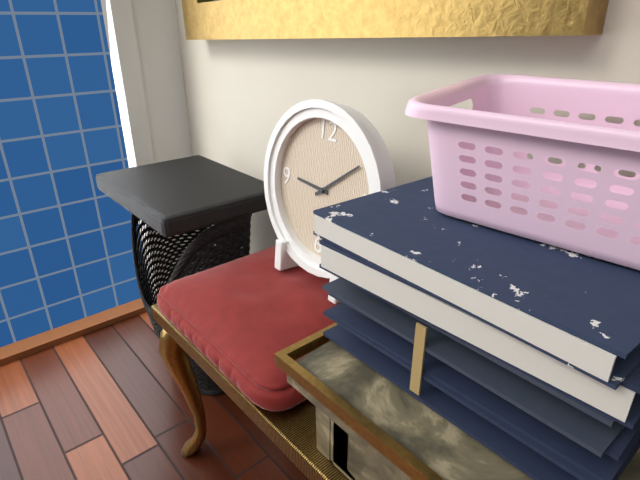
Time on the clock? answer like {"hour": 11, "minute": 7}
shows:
{"hour": 9, "minute": 9}
